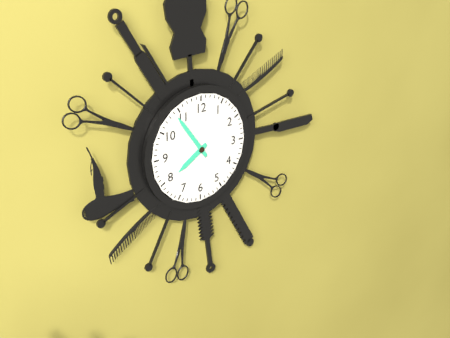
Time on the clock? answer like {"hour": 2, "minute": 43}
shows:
{"hour": 7, "minute": 54}
